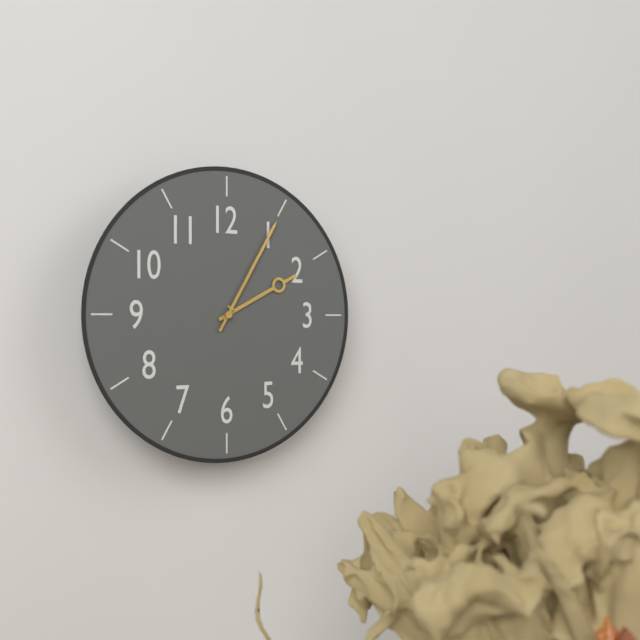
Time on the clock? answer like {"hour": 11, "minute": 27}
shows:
{"hour": 2, "minute": 5}
